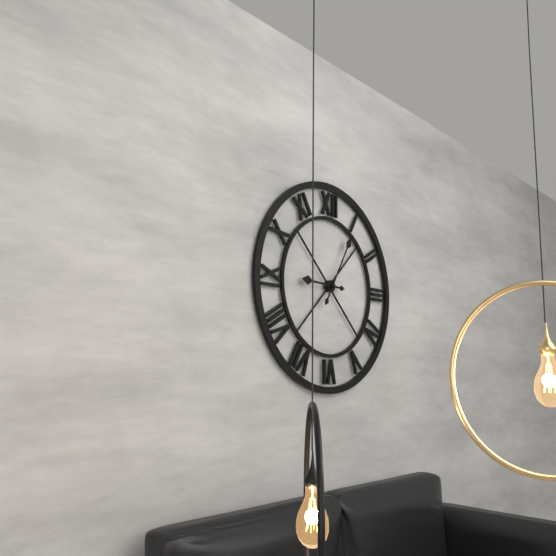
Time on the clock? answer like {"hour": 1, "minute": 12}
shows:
{"hour": 9, "minute": 5}
